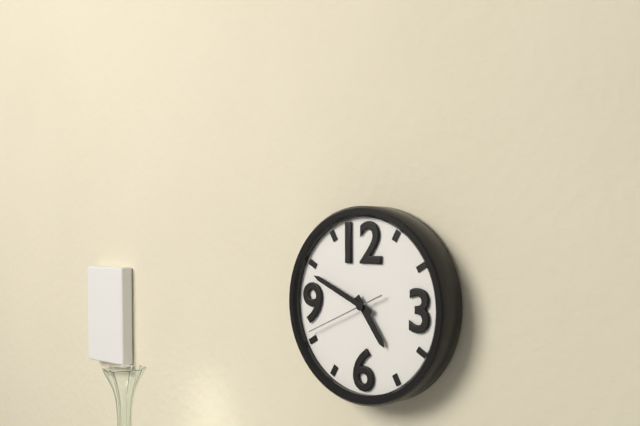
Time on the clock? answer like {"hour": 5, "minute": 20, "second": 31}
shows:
{"hour": 4, "minute": 49, "second": 41}
